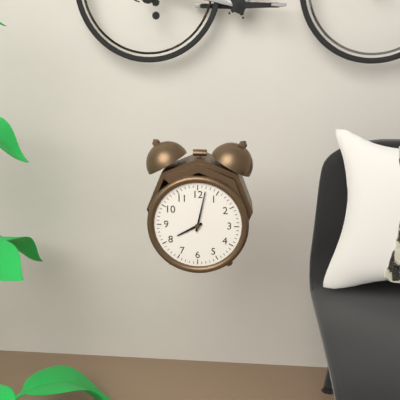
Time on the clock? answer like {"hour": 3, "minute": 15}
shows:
{"hour": 8, "minute": 2}
